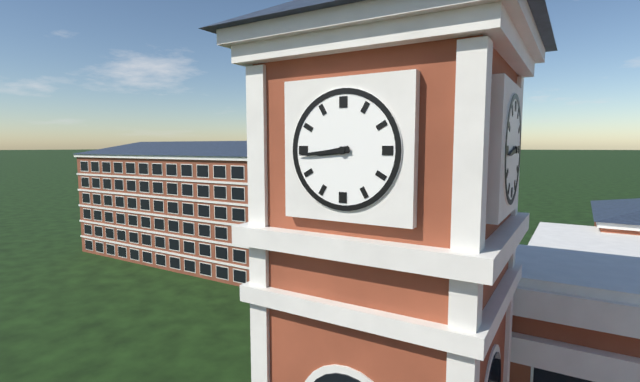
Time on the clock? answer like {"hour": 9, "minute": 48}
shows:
{"hour": 8, "minute": 44}
